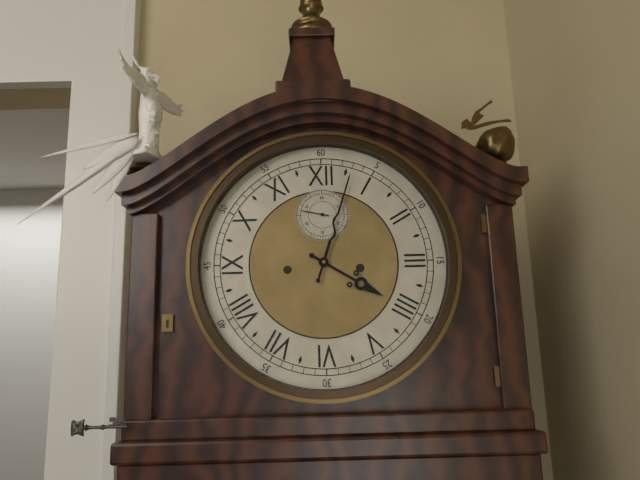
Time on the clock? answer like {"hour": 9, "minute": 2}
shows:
{"hour": 4, "minute": 3}
